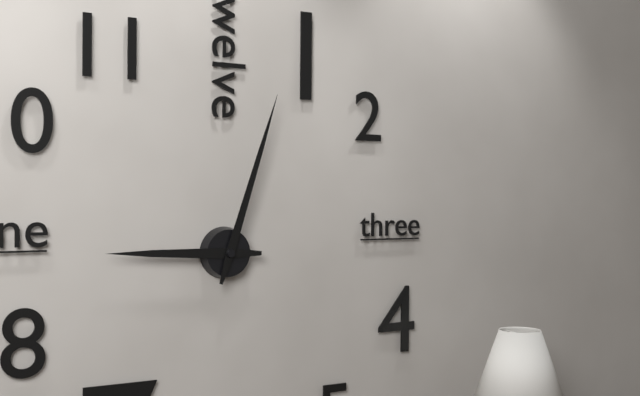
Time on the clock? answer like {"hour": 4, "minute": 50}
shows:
{"hour": 9, "minute": 3}
